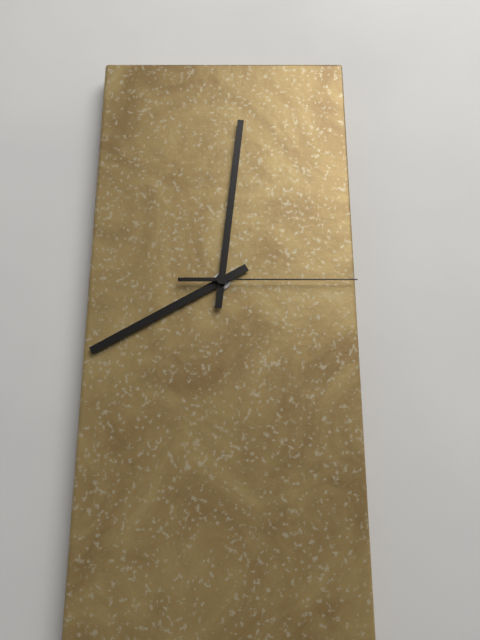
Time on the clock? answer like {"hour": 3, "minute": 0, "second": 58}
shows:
{"hour": 8, "minute": 1, "second": 15}
